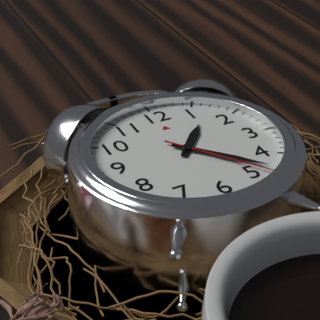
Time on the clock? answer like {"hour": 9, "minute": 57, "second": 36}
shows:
{"hour": 1, "minute": 23, "second": 24}
